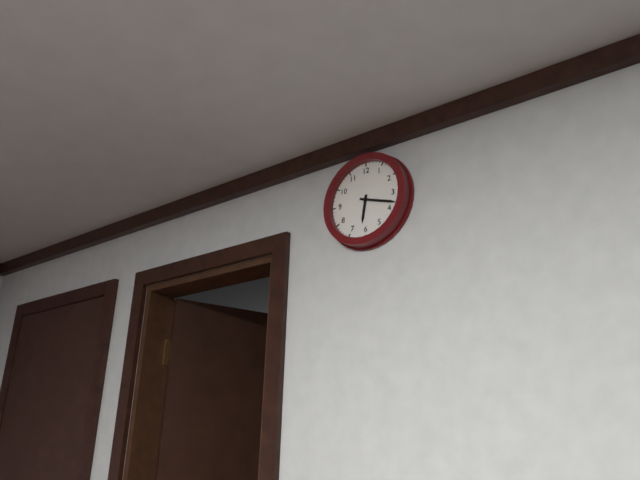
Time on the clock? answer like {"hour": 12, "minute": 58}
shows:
{"hour": 6, "minute": 18}
